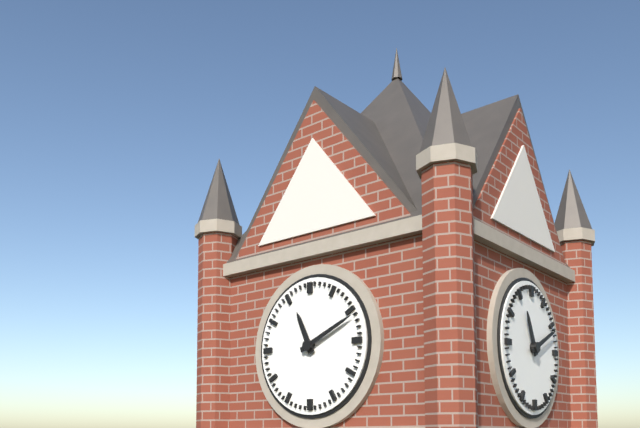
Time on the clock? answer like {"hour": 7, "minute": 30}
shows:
{"hour": 11, "minute": 11}
